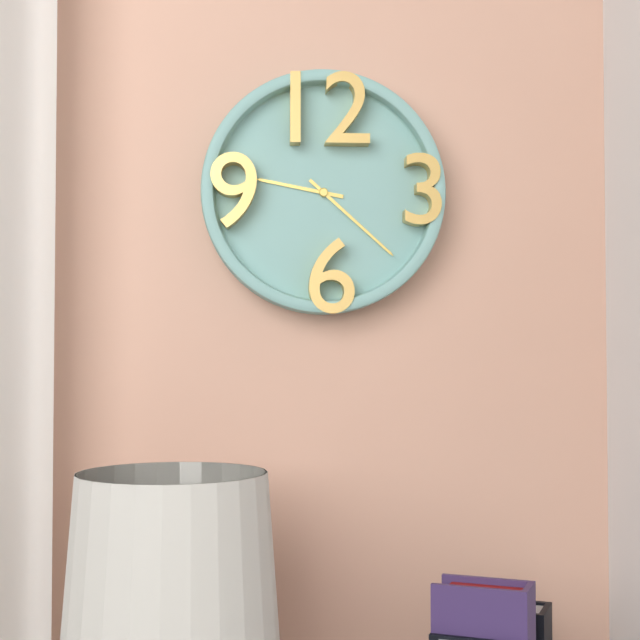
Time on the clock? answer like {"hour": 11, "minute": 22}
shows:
{"hour": 9, "minute": 22}
